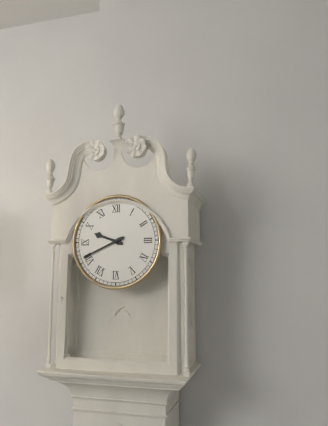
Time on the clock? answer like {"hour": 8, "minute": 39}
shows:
{"hour": 9, "minute": 41}
